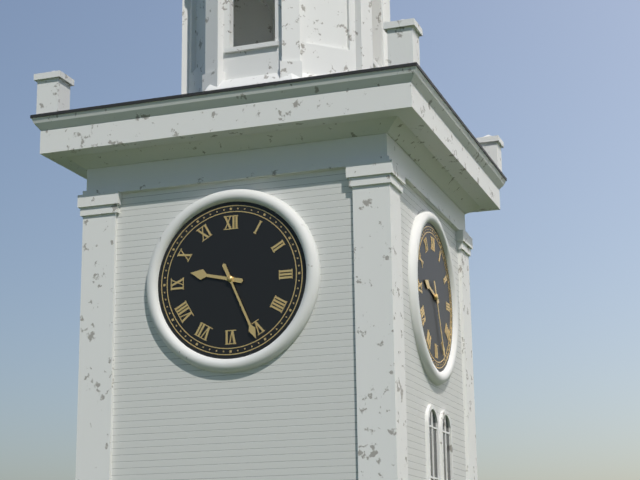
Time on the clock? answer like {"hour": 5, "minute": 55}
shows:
{"hour": 9, "minute": 26}
